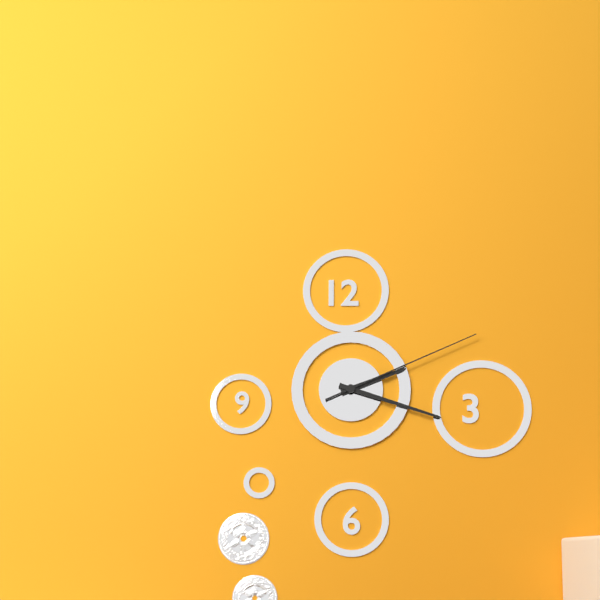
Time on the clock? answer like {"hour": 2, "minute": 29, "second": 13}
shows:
{"hour": 2, "minute": 18, "second": 11}
